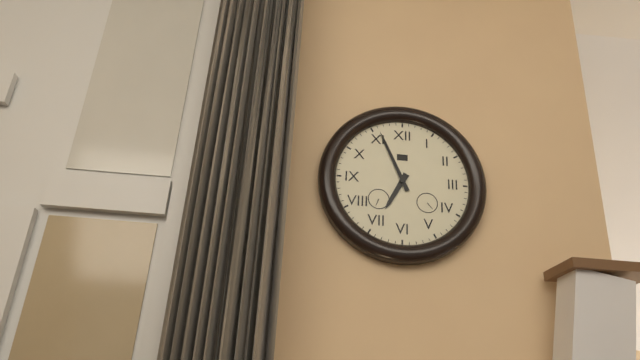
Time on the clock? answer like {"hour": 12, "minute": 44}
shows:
{"hour": 6, "minute": 56}
